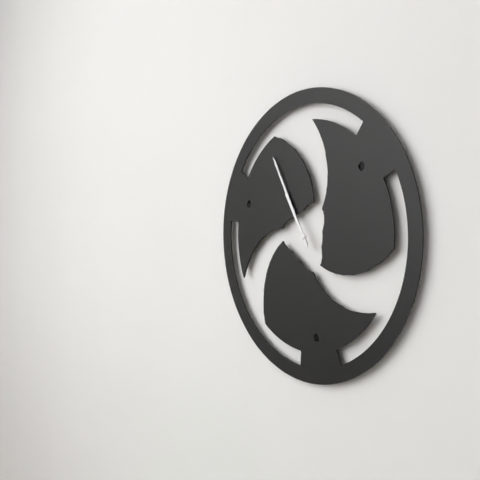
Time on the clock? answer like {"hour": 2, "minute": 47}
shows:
{"hour": 10, "minute": 55}
